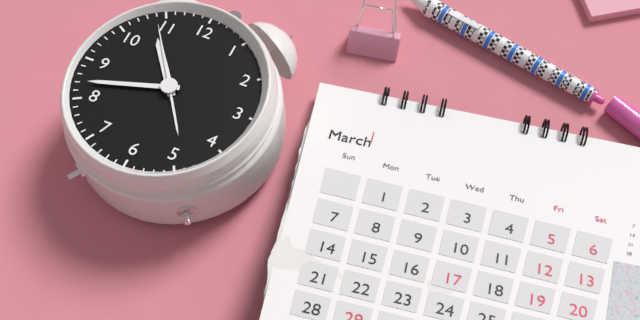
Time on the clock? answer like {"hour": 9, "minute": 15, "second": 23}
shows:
{"hour": 10, "minute": 42, "second": 54}
